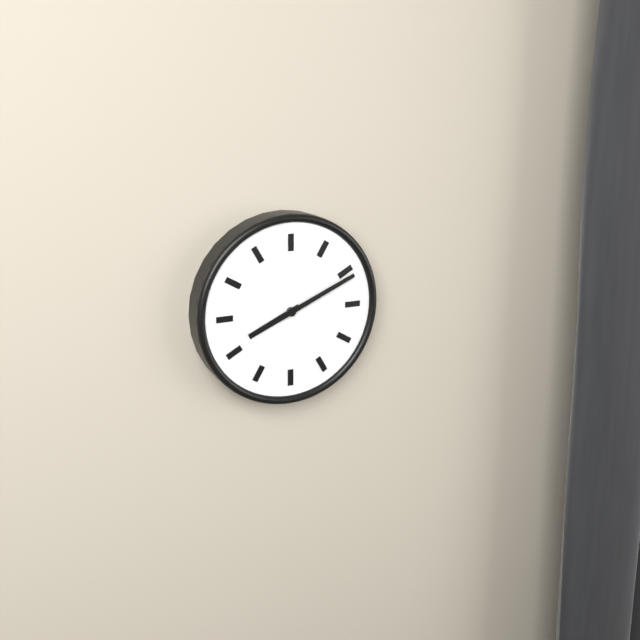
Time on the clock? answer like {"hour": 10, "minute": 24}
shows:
{"hour": 8, "minute": 11}
